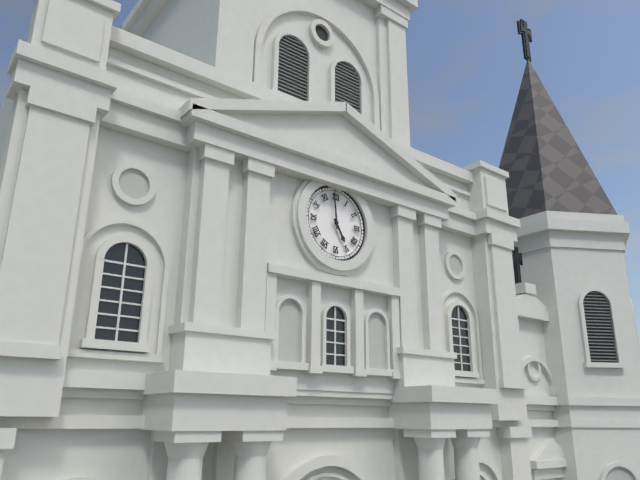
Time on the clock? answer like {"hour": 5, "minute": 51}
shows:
{"hour": 4, "minute": 59}
